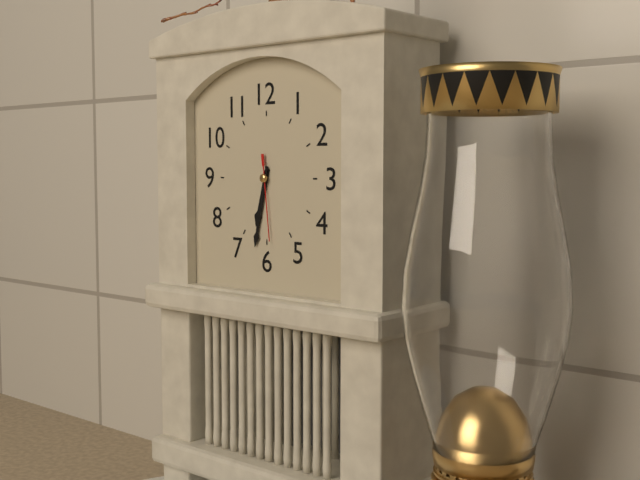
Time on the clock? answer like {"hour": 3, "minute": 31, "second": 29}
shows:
{"hour": 6, "minute": 32, "second": 29}
